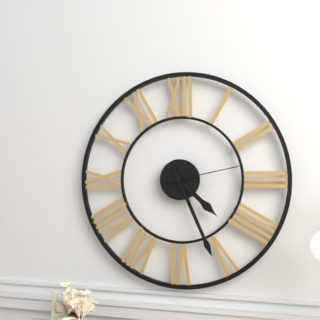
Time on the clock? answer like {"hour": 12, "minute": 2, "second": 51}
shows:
{"hour": 4, "minute": 26, "second": 13}
